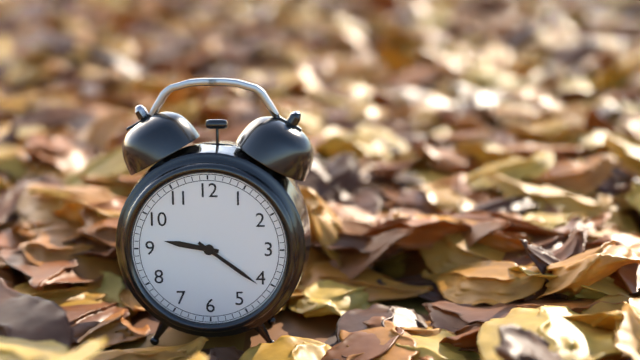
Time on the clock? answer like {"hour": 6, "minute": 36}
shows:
{"hour": 9, "minute": 21}
